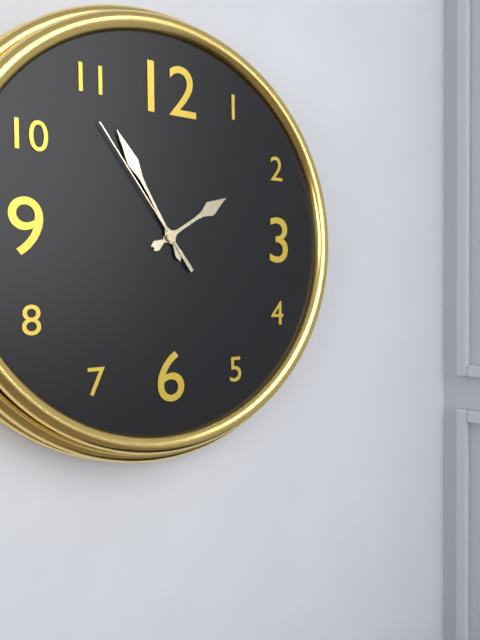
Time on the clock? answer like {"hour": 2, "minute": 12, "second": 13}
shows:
{"hour": 1, "minute": 55, "second": 54}
